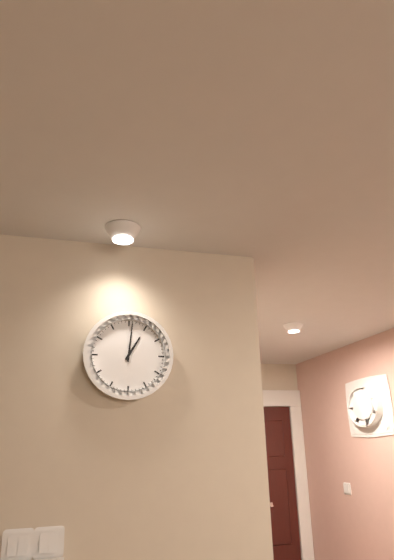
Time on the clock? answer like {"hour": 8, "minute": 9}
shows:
{"hour": 1, "minute": 1}
